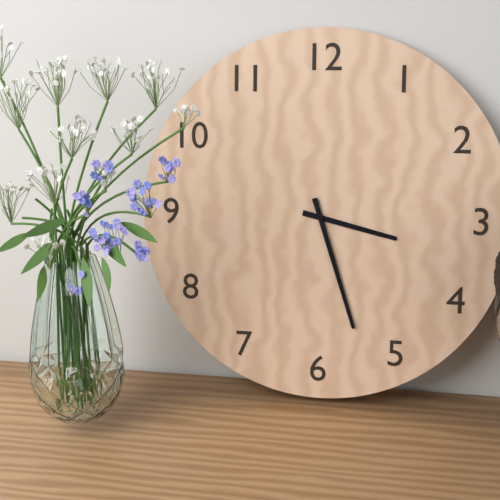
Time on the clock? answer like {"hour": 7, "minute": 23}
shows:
{"hour": 3, "minute": 27}
